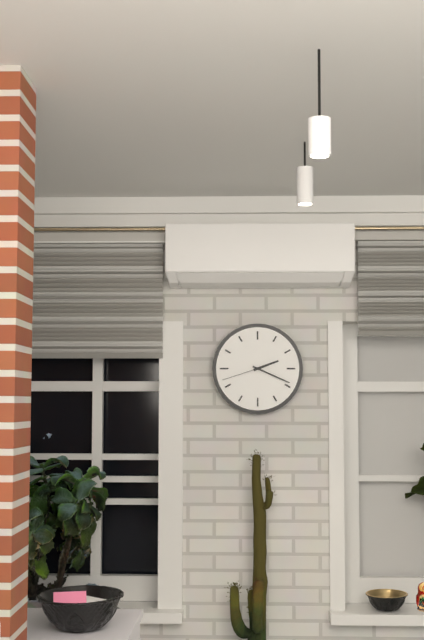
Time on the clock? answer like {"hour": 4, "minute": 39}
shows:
{"hour": 2, "minute": 19}
